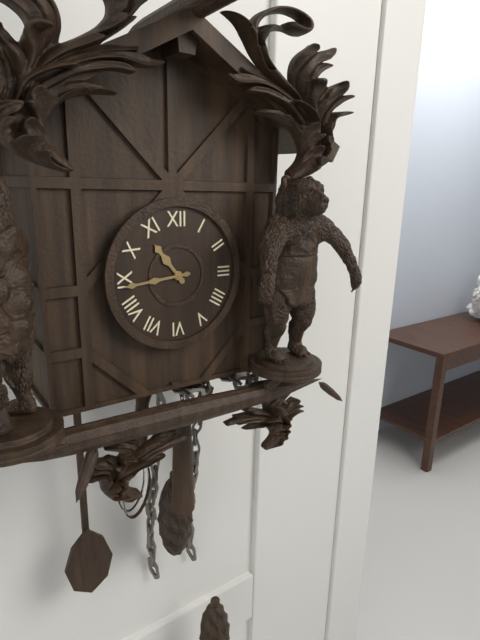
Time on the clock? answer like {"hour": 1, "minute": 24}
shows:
{"hour": 10, "minute": 44}
